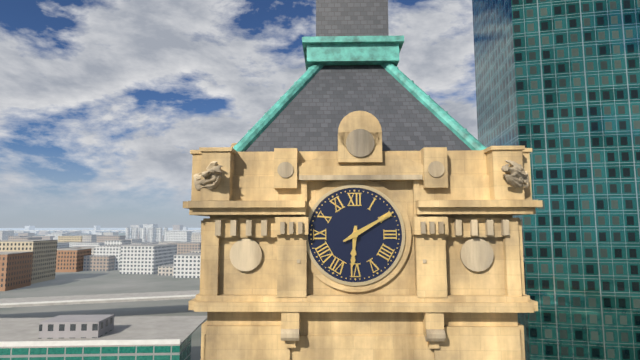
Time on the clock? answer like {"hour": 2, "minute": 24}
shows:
{"hour": 6, "minute": 10}
